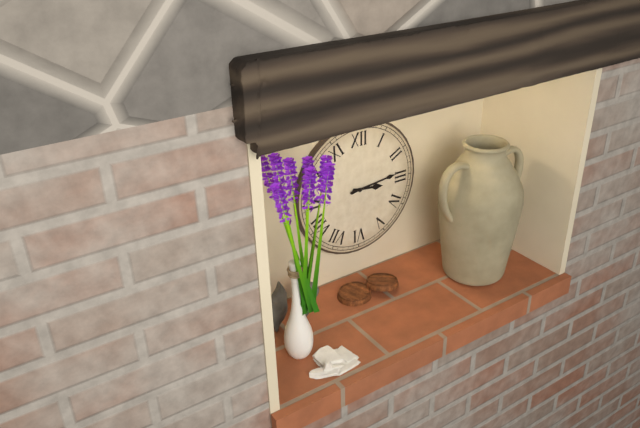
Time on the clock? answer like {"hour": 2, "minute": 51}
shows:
{"hour": 3, "minute": 14}
